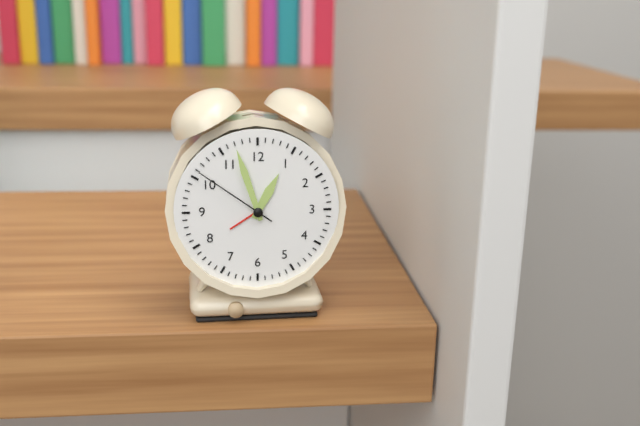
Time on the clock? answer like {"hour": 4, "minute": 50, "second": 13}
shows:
{"hour": 12, "minute": 57, "second": 51}
